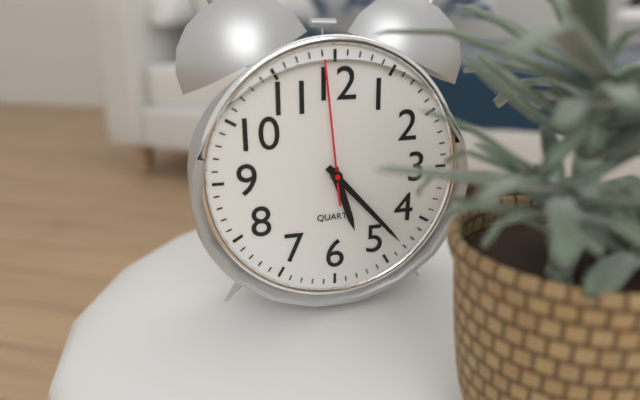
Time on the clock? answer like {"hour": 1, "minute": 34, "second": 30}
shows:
{"hour": 5, "minute": 23, "second": 59}
